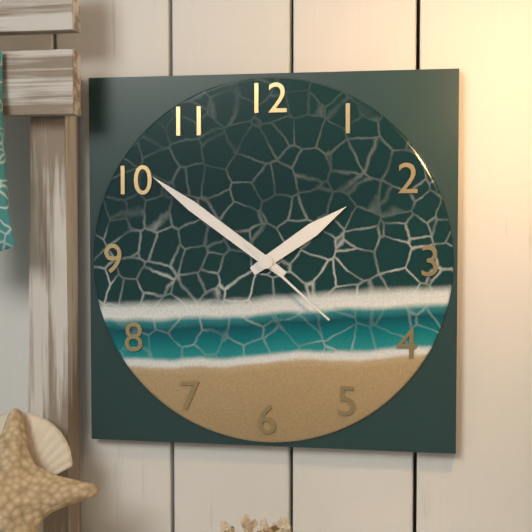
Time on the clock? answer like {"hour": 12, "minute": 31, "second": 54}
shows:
{"hour": 1, "minute": 51, "second": 22}
